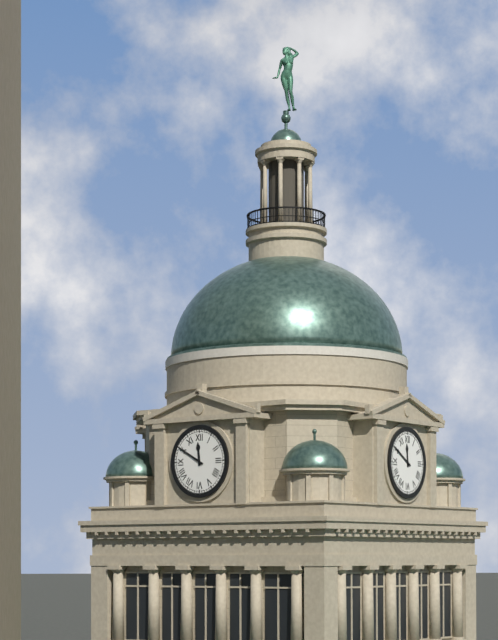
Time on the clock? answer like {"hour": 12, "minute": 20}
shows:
{"hour": 11, "minute": 50}
